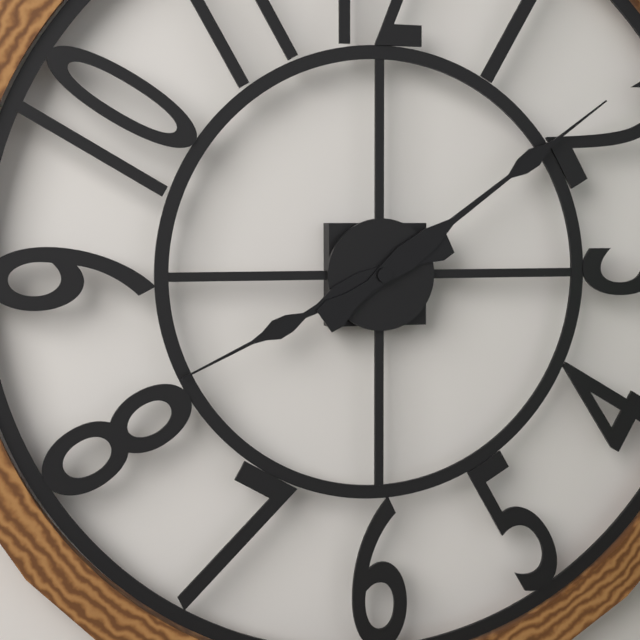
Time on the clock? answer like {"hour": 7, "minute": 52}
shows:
{"hour": 8, "minute": 9}
